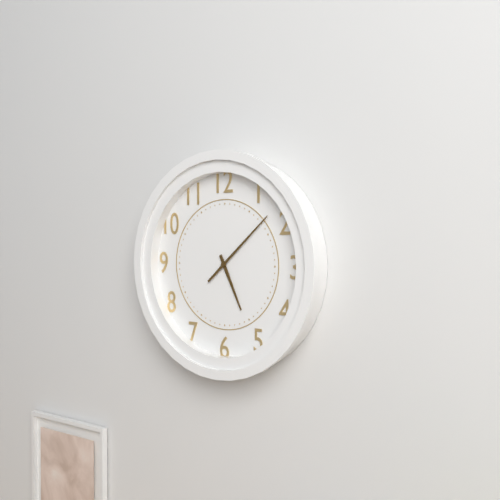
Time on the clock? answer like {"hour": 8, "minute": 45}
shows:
{"hour": 5, "minute": 8}
